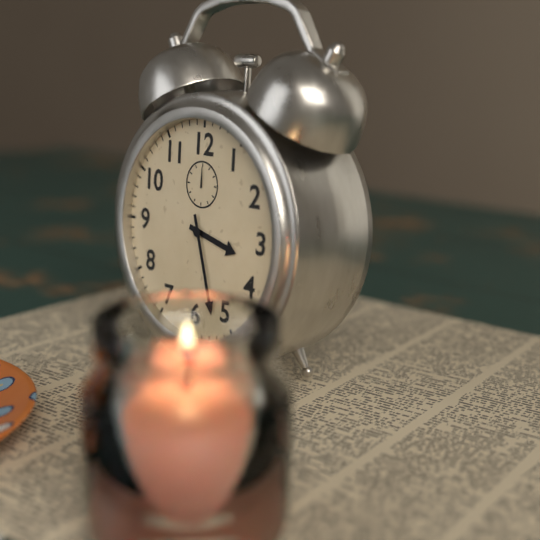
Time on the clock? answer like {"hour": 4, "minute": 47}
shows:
{"hour": 3, "minute": 27}
